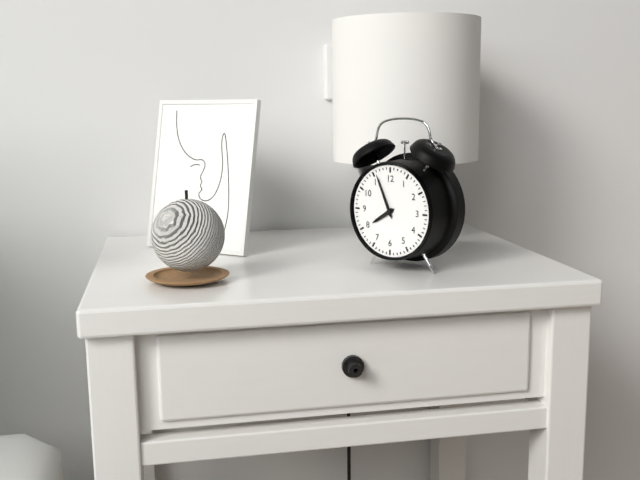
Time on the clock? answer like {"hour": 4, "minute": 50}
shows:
{"hour": 7, "minute": 56}
